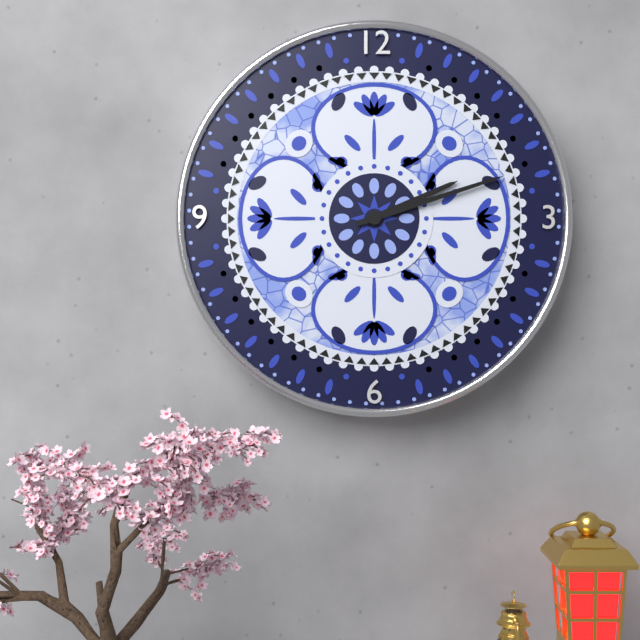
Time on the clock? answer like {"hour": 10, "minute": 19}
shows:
{"hour": 2, "minute": 12}
